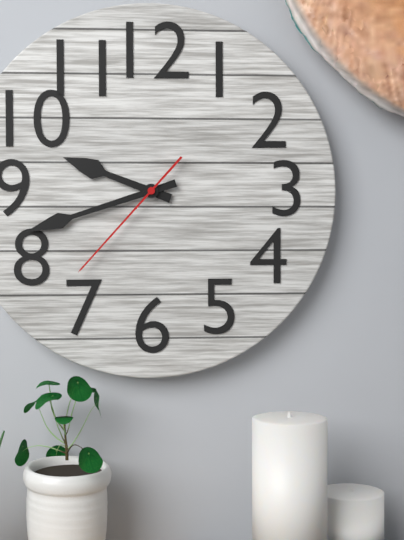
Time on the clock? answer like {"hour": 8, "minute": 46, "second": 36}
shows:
{"hour": 9, "minute": 42, "second": 37}
